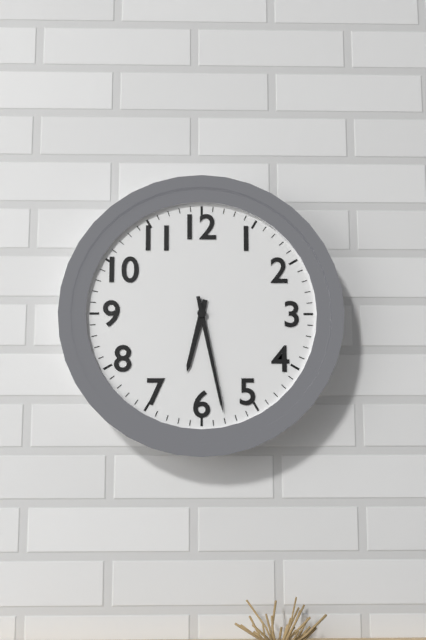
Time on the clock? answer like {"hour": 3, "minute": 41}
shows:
{"hour": 6, "minute": 28}
